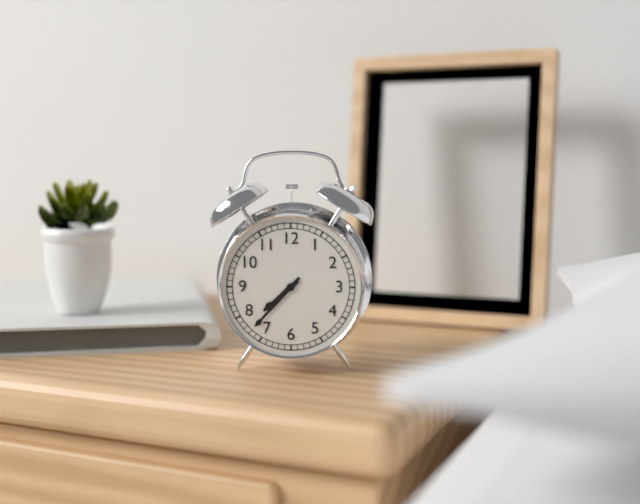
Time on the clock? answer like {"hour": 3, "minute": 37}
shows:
{"hour": 7, "minute": 37}
